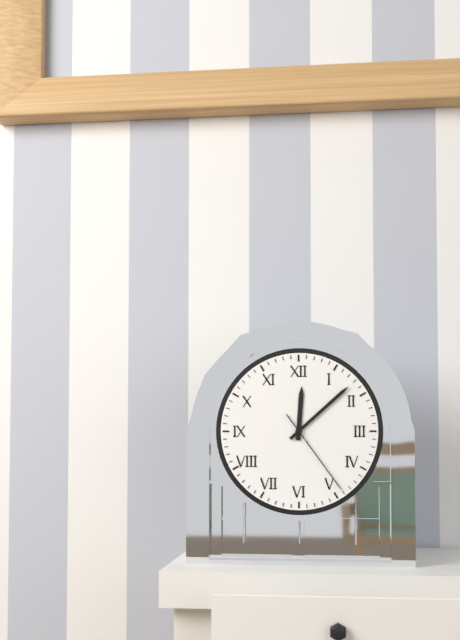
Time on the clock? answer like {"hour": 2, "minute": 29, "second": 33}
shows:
{"hour": 12, "minute": 8, "second": 24}
